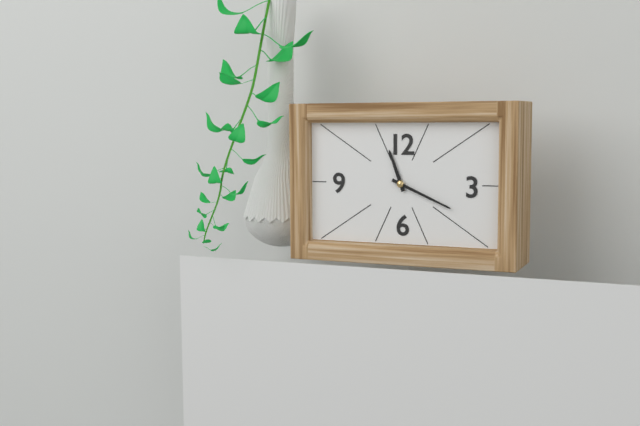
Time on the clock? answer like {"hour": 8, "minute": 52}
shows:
{"hour": 11, "minute": 19}
